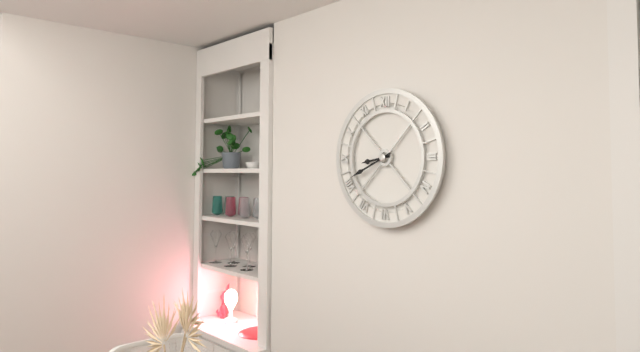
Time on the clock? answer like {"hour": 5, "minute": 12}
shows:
{"hour": 8, "minute": 41}
